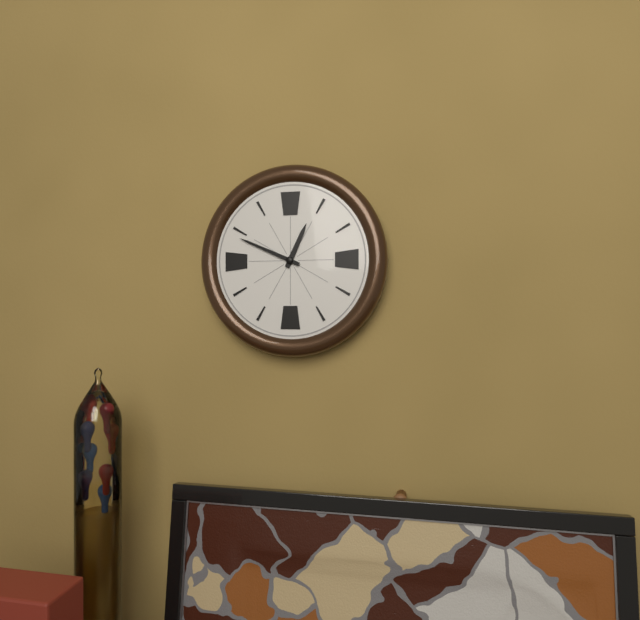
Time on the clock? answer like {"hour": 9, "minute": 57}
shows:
{"hour": 12, "minute": 49}
